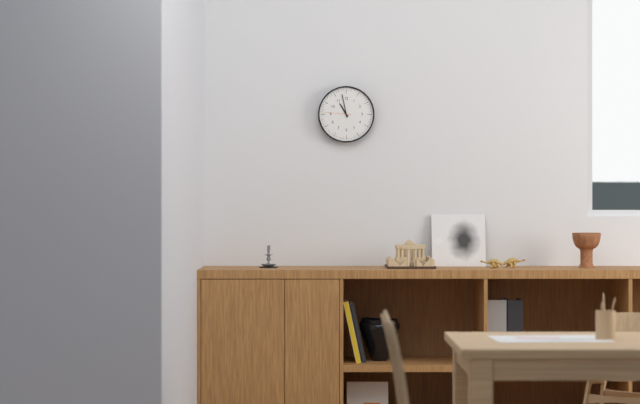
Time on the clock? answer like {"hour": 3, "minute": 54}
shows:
{"hour": 10, "minute": 58}
